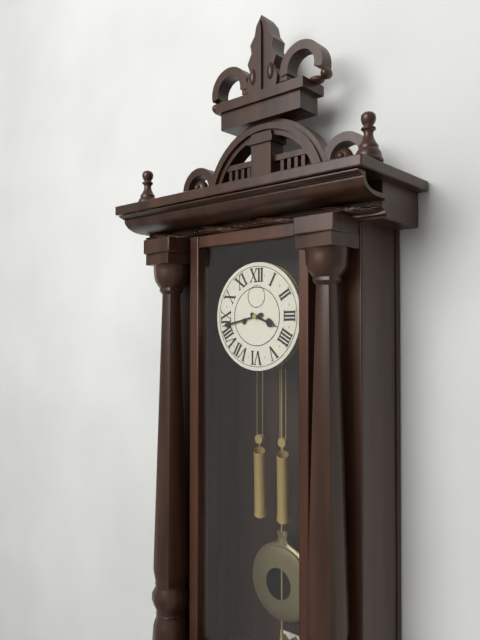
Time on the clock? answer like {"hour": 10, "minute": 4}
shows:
{"hour": 3, "minute": 43}
